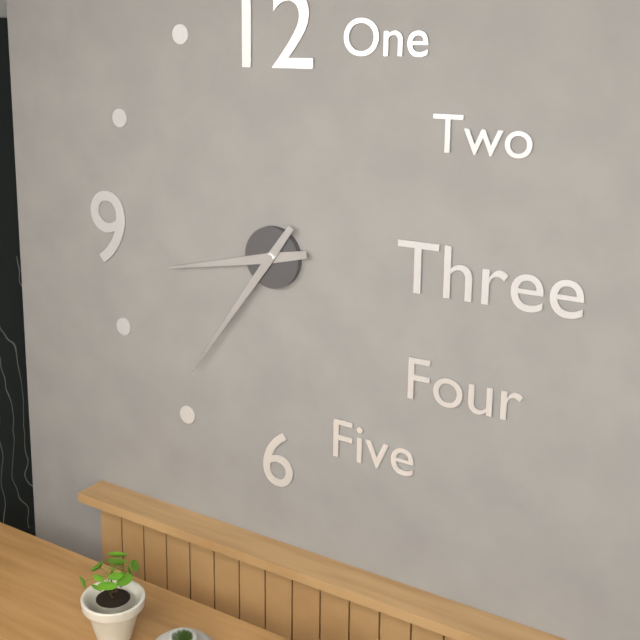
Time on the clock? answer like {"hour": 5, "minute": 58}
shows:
{"hour": 8, "minute": 36}
